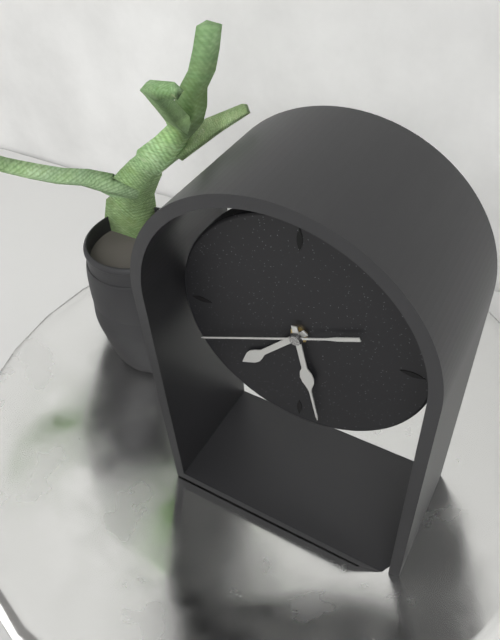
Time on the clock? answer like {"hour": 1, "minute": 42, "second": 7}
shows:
{"hour": 7, "minute": 28, "second": 41}
